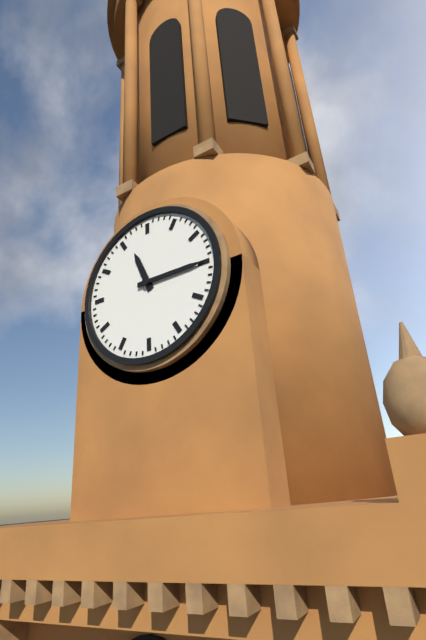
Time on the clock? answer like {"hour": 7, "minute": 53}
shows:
{"hour": 11, "minute": 15}
